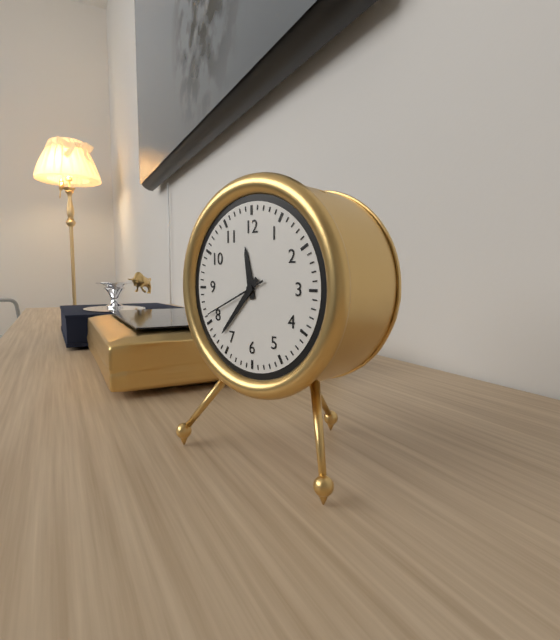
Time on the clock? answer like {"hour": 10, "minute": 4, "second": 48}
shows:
{"hour": 11, "minute": 37, "second": 41}
